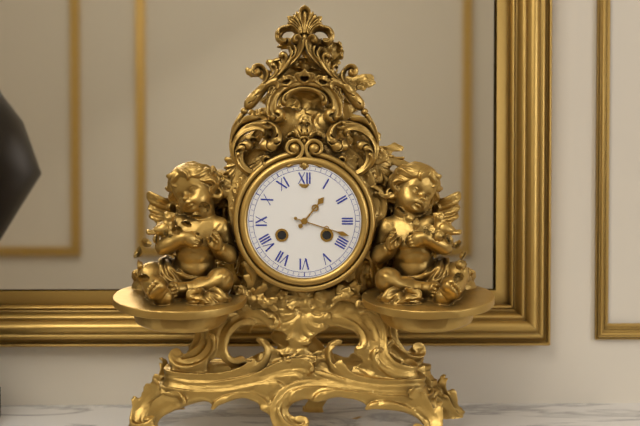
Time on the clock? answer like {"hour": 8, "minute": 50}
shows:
{"hour": 1, "minute": 18}
